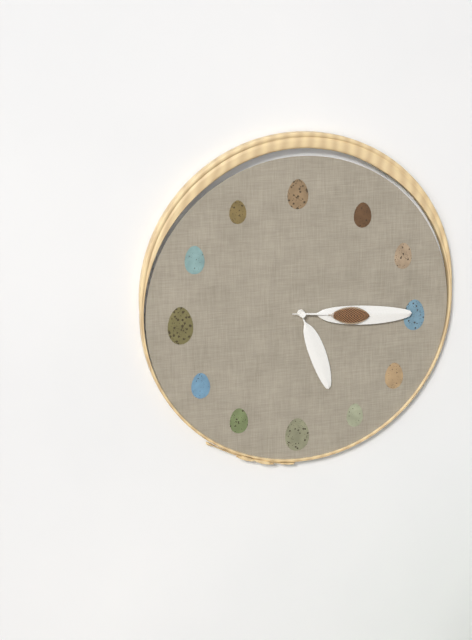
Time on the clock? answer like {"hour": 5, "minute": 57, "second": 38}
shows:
{"hour": 5, "minute": 16, "second": 16}
